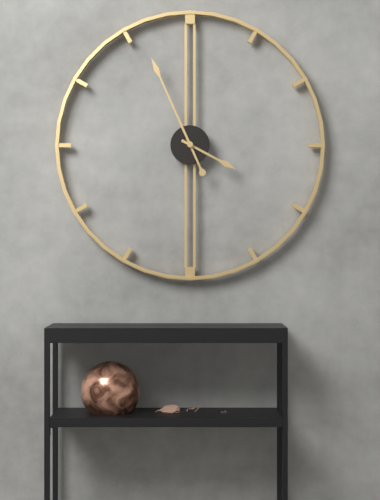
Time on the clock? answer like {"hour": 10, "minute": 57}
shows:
{"hour": 3, "minute": 56}
